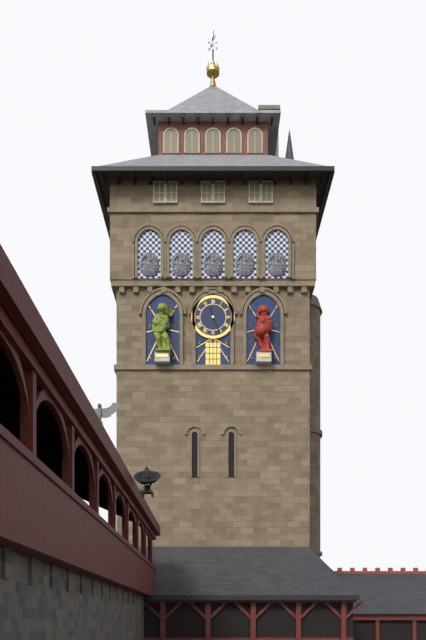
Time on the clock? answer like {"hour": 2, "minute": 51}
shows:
{"hour": 11, "minute": 26}
